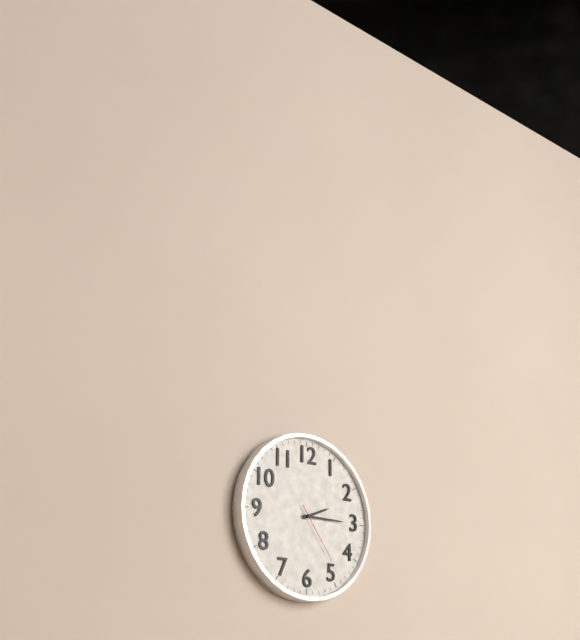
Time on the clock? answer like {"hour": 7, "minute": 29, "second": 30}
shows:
{"hour": 2, "minute": 15, "second": 24}
